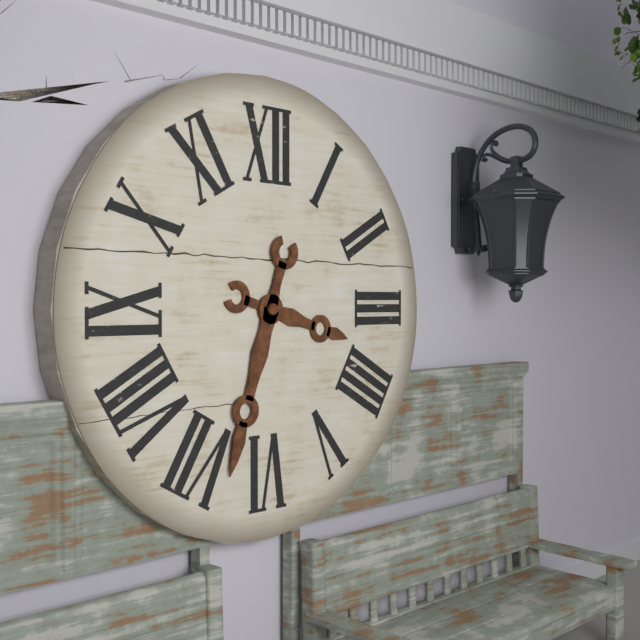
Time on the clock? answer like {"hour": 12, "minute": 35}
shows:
{"hour": 3, "minute": 33}
